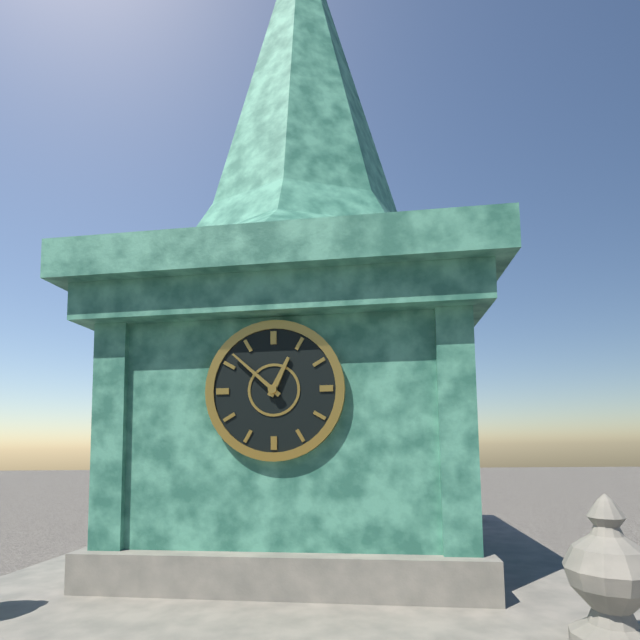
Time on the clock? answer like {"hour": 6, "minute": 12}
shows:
{"hour": 12, "minute": 52}
